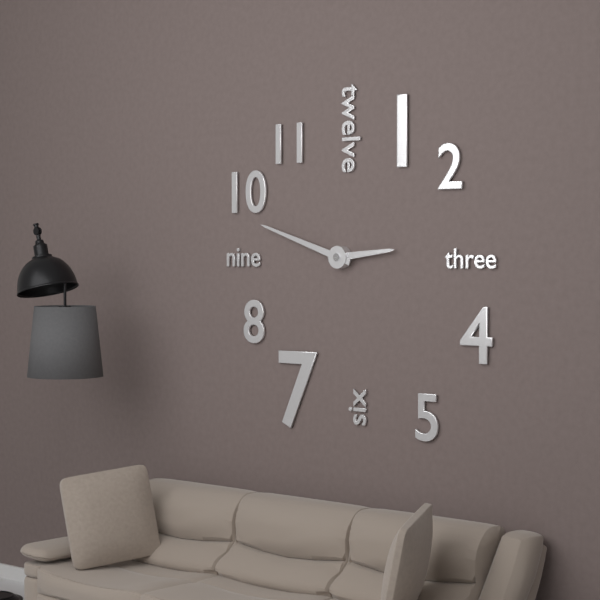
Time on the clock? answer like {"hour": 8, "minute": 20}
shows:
{"hour": 2, "minute": 48}
